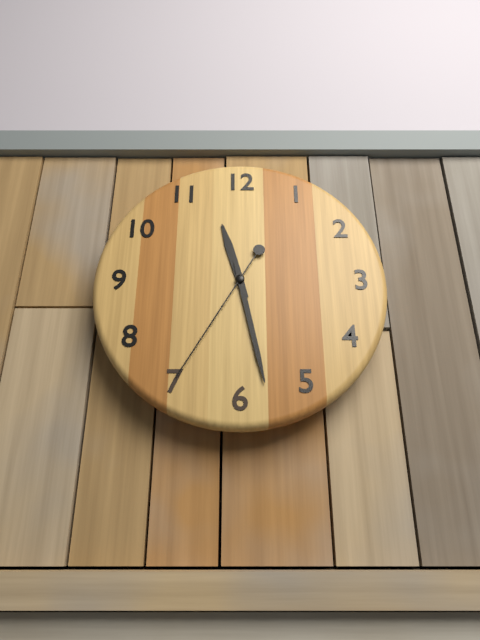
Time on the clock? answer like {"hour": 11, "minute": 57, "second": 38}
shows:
{"hour": 11, "minute": 28, "second": 35}
